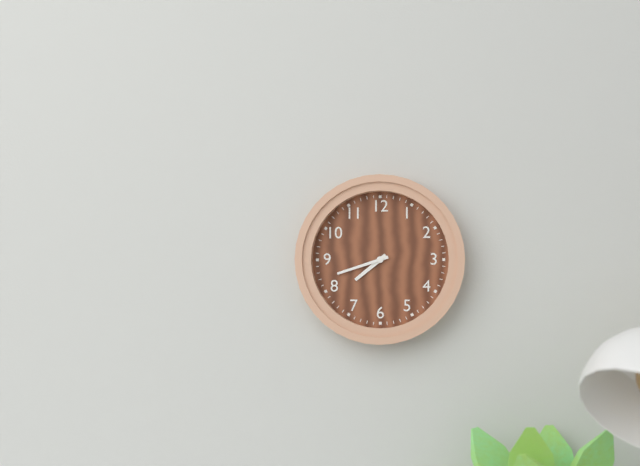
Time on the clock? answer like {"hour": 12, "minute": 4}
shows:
{"hour": 7, "minute": 42}
